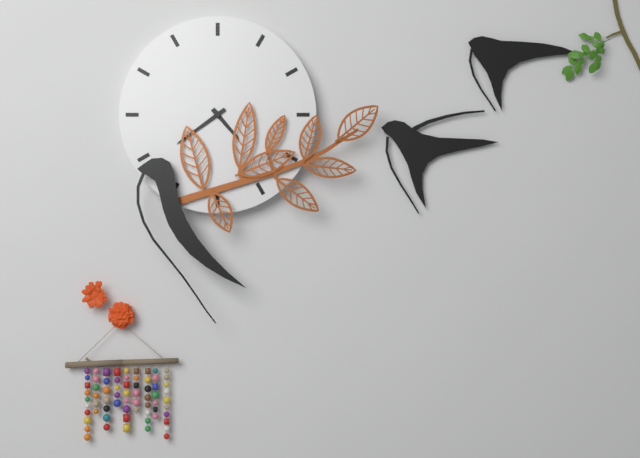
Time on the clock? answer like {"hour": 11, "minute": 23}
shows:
{"hour": 4, "minute": 39}
